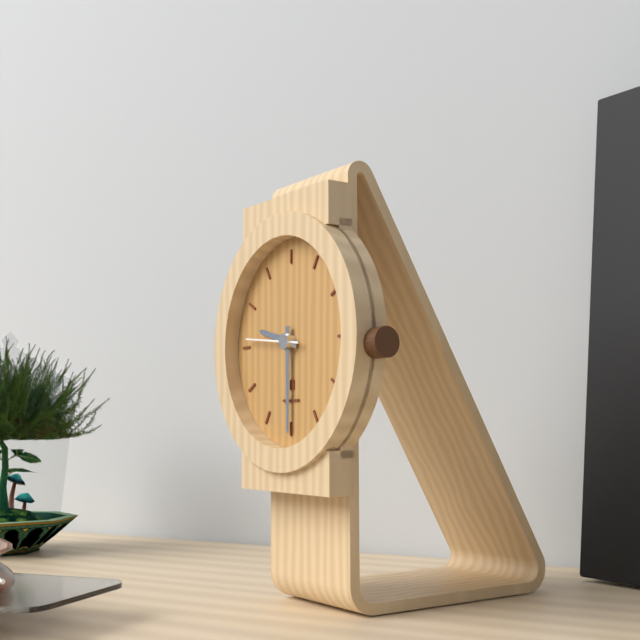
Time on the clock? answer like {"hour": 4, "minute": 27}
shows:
{"hour": 9, "minute": 30}
